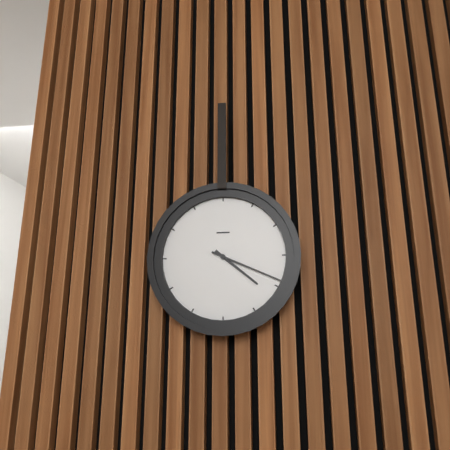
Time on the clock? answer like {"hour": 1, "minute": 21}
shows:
{"hour": 4, "minute": 19}
